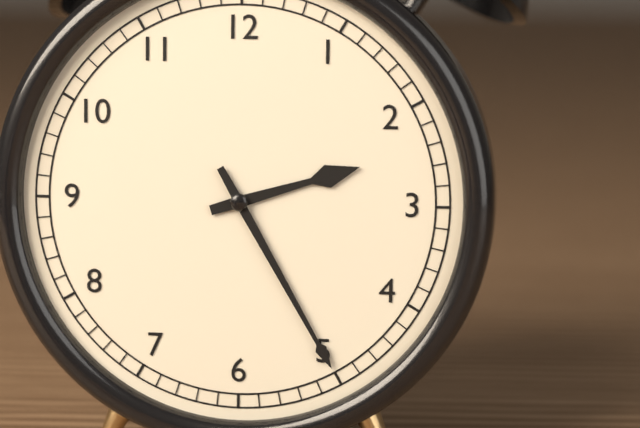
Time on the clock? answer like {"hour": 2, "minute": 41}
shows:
{"hour": 2, "minute": 25}
